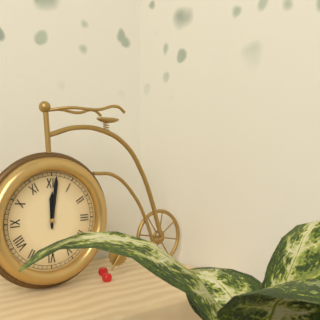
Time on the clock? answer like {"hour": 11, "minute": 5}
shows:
{"hour": 12, "minute": 1}
